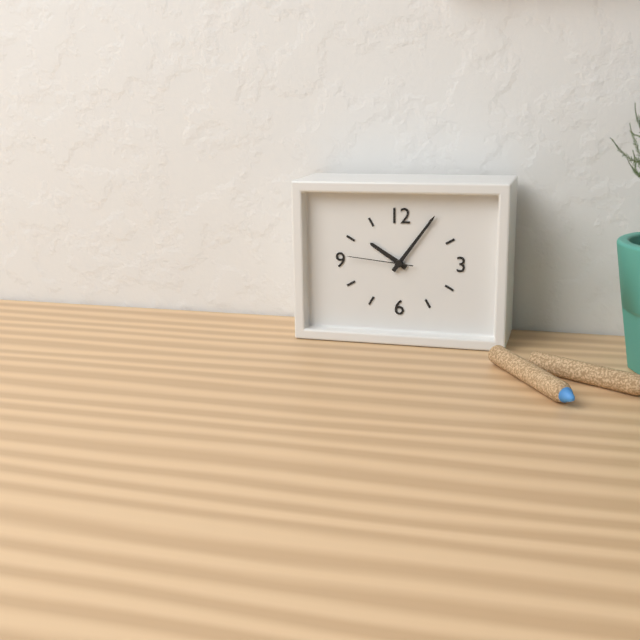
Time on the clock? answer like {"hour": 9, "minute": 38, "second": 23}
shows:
{"hour": 10, "minute": 6, "second": 46}
